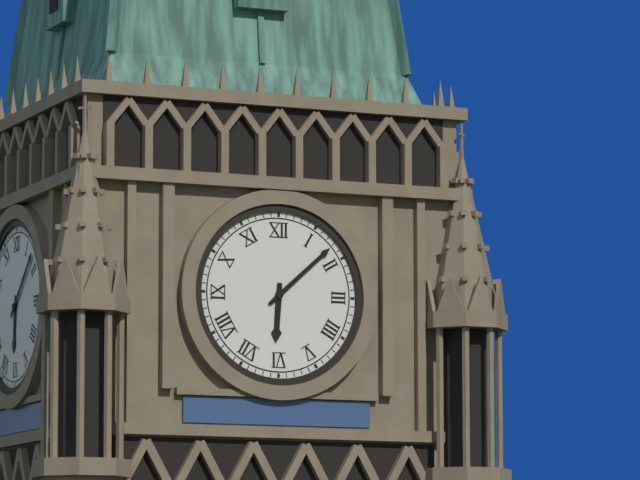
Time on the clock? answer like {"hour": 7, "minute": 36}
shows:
{"hour": 6, "minute": 8}
